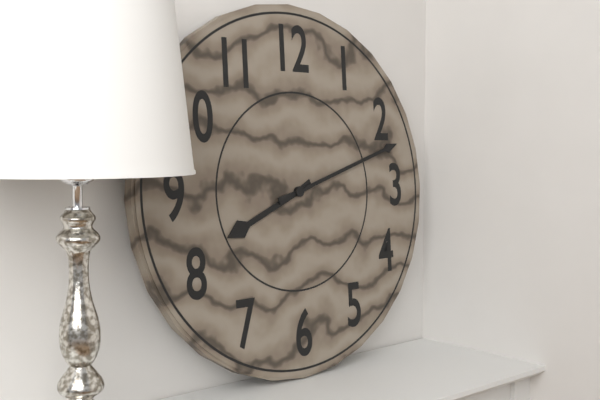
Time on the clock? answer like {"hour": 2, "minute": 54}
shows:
{"hour": 8, "minute": 12}
